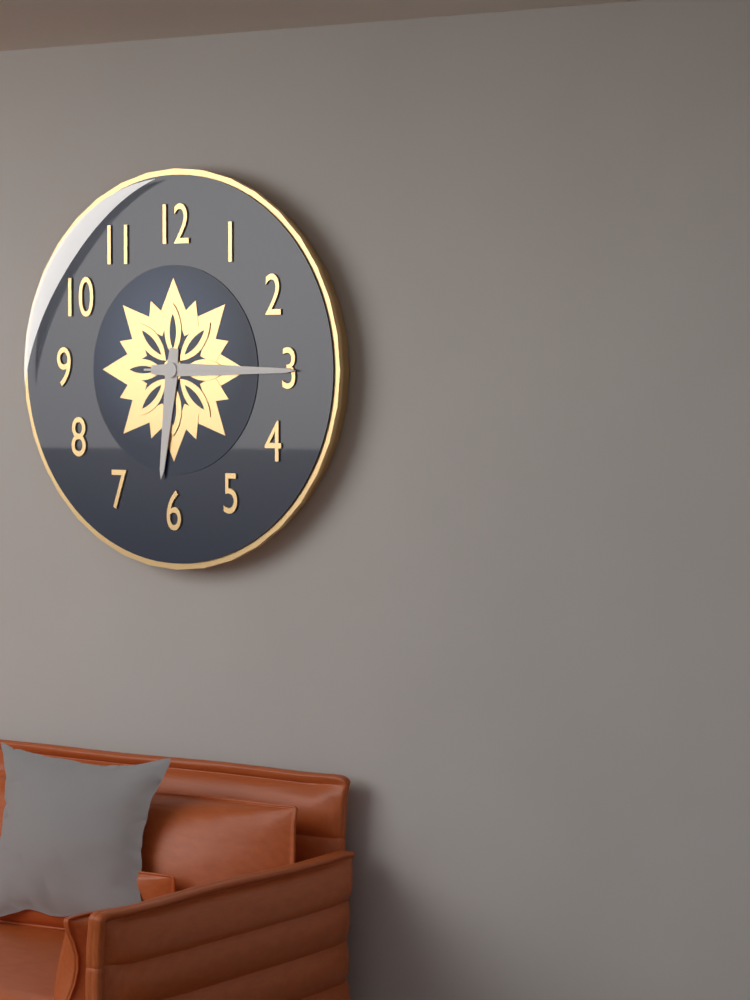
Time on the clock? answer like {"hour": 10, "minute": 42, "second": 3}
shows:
{"hour": 6, "minute": 15, "second": 15}
